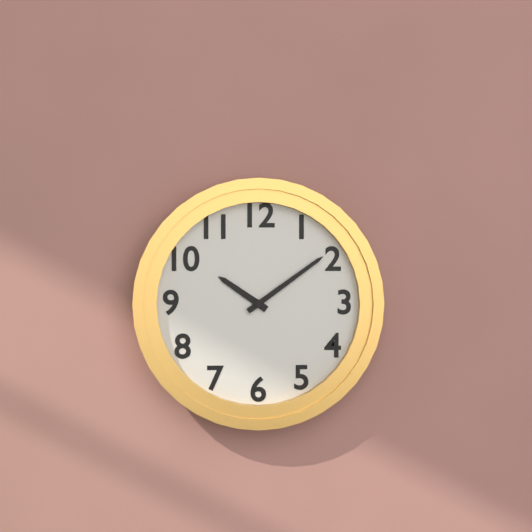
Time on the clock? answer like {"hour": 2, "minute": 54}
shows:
{"hour": 10, "minute": 9}
